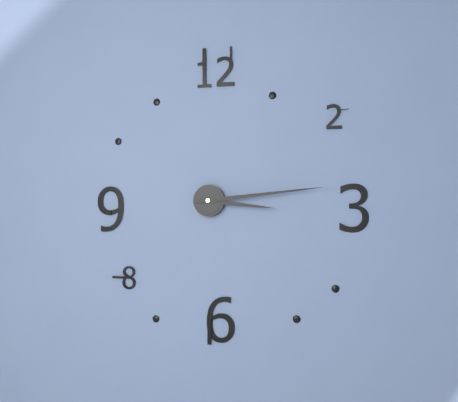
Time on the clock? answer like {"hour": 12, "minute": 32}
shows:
{"hour": 3, "minute": 14}
